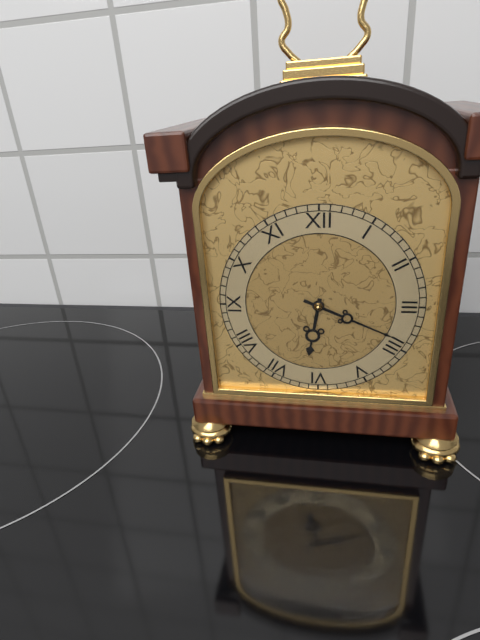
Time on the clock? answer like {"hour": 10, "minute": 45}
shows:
{"hour": 6, "minute": 19}
